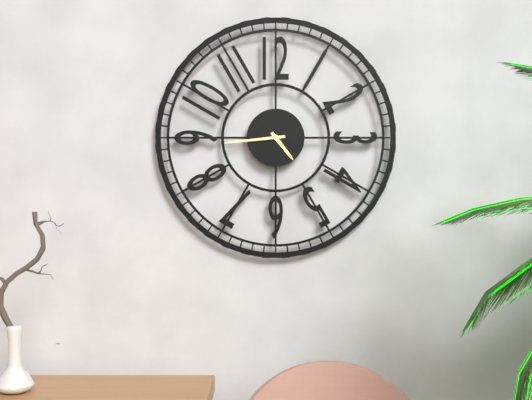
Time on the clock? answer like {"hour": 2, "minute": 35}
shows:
{"hour": 4, "minute": 44}
